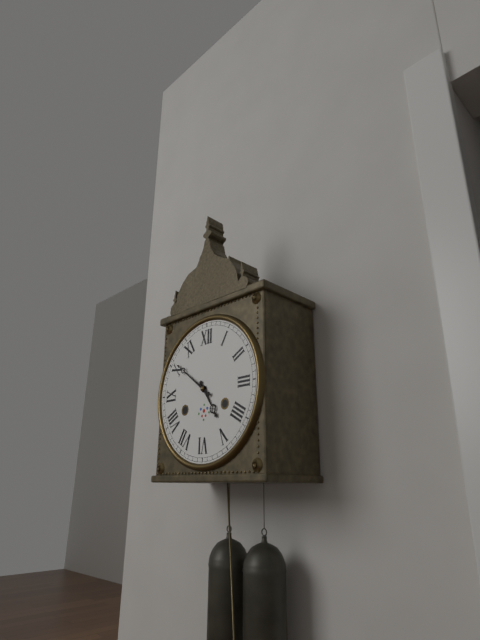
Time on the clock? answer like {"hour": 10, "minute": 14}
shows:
{"hour": 4, "minute": 51}
